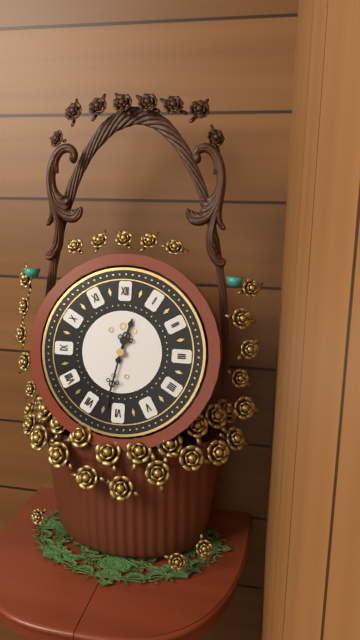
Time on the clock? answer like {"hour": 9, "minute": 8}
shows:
{"hour": 12, "minute": 32}
